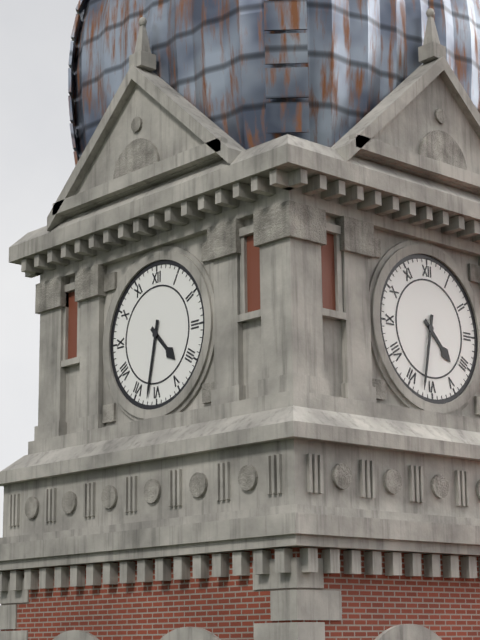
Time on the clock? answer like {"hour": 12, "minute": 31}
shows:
{"hour": 4, "minute": 32}
